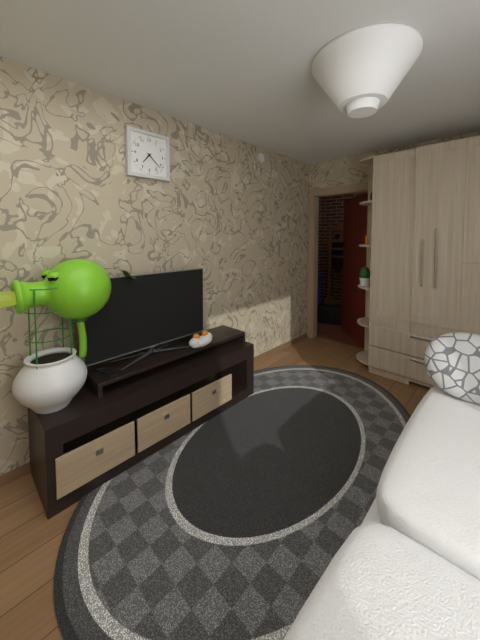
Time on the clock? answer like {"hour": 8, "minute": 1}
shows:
{"hour": 7, "minute": 22}
